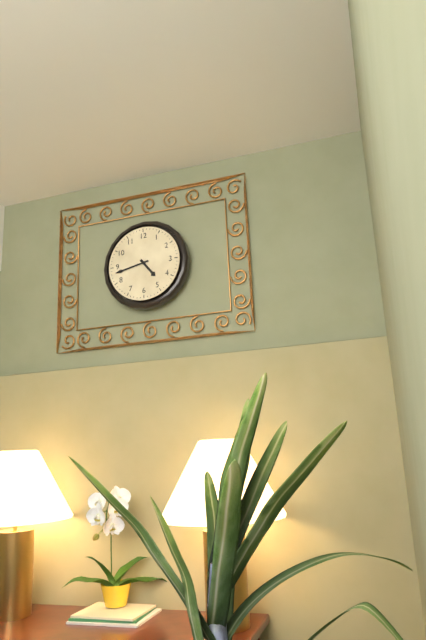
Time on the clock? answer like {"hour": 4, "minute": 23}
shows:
{"hour": 4, "minute": 43}
